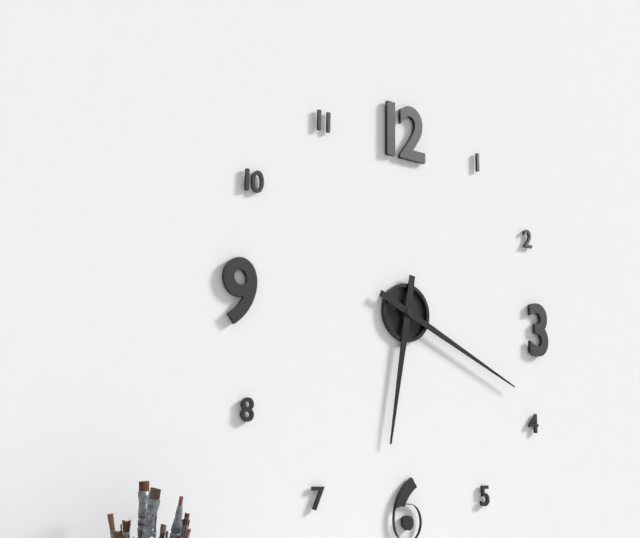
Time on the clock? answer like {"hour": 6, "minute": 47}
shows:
{"hour": 6, "minute": 19}
